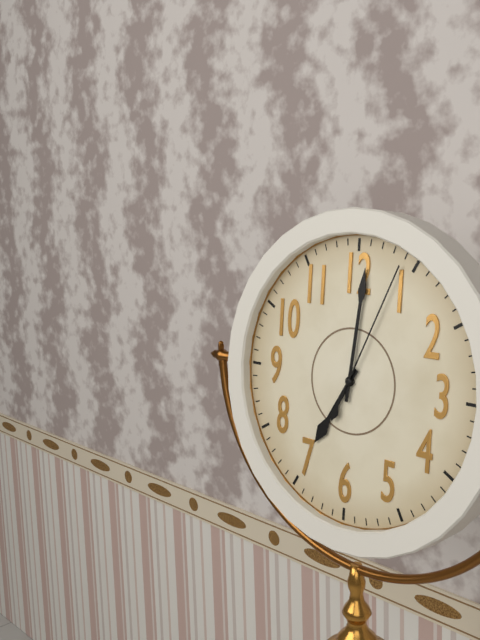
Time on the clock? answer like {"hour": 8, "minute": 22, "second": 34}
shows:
{"hour": 7, "minute": 1, "second": 4}
